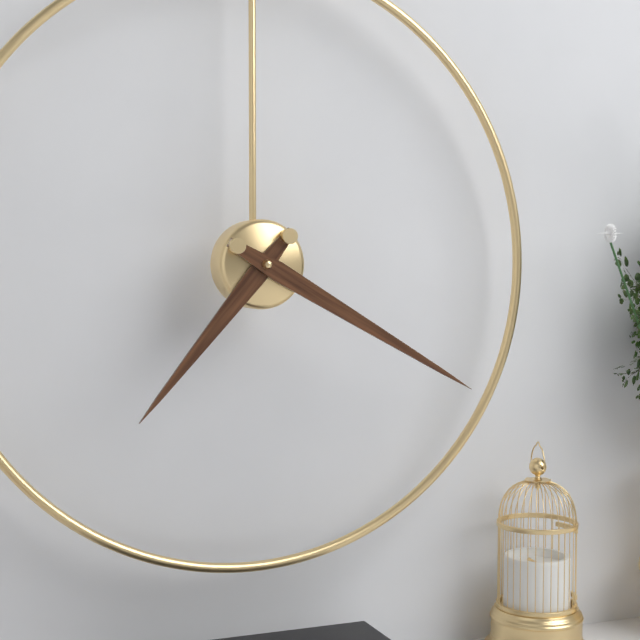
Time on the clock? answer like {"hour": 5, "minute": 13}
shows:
{"hour": 7, "minute": 20}
